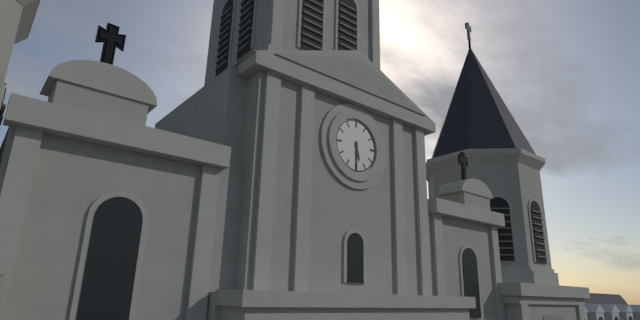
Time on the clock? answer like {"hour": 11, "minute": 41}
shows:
{"hour": 5, "minute": 30}
